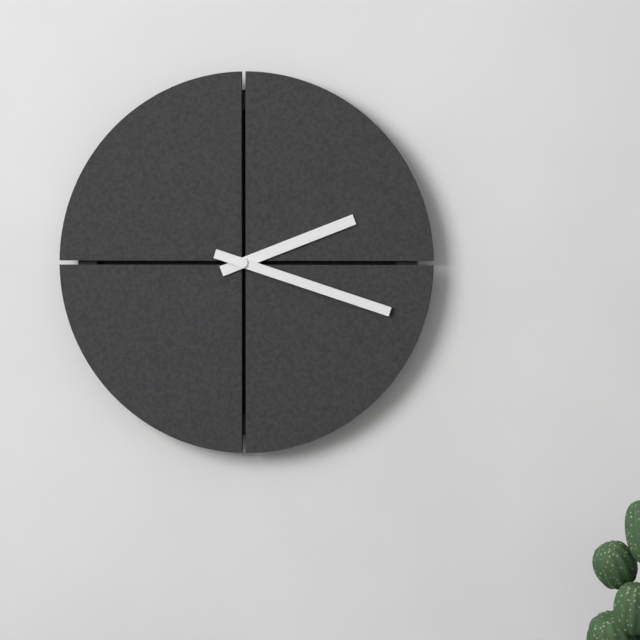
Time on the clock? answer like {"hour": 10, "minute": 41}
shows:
{"hour": 2, "minute": 18}
